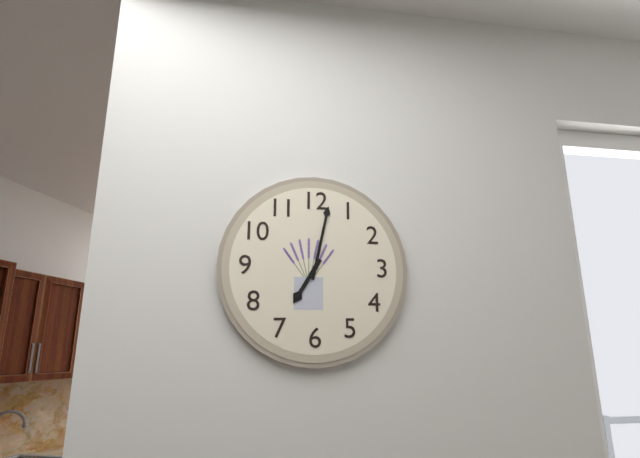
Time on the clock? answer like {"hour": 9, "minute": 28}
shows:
{"hour": 7, "minute": 2}
